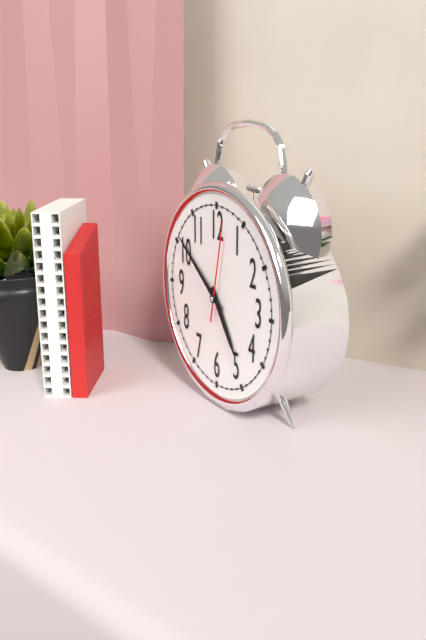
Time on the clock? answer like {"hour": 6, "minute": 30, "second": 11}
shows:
{"hour": 4, "minute": 51, "second": 2}
